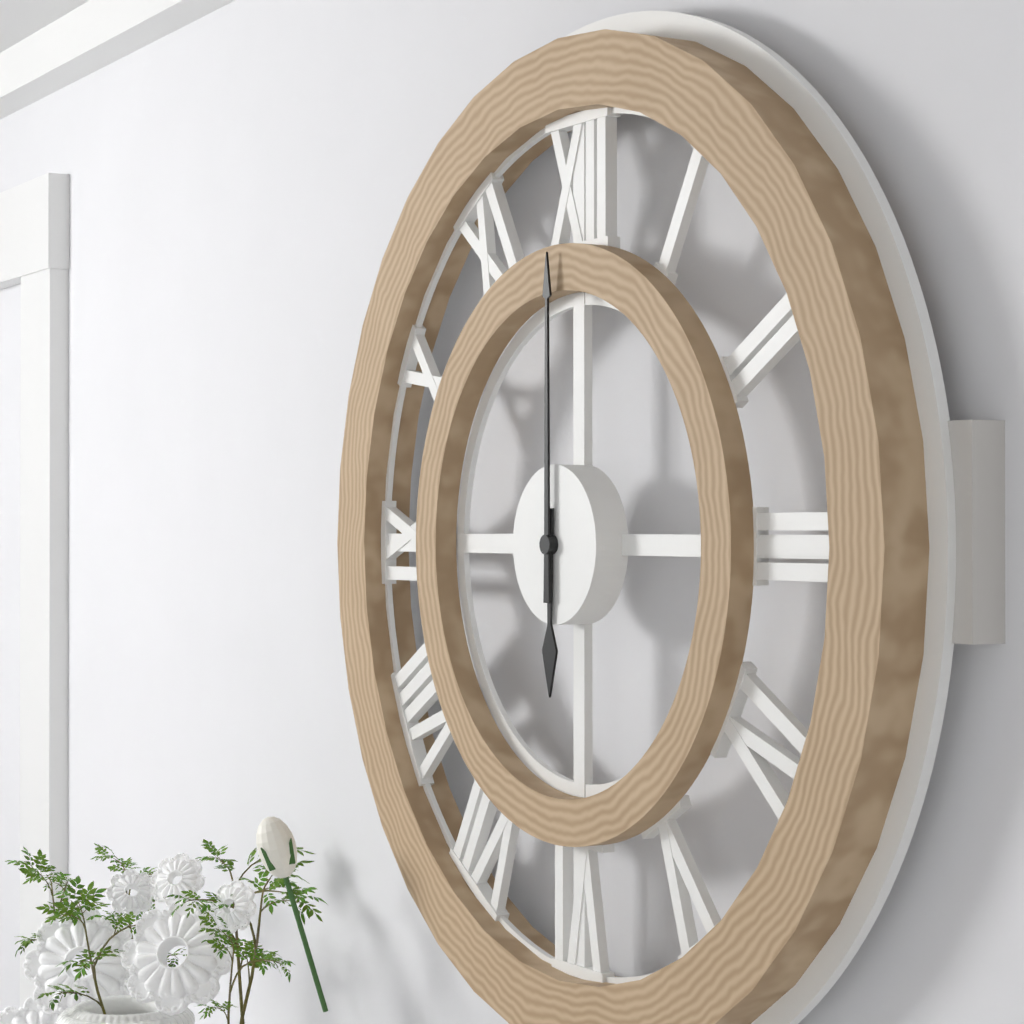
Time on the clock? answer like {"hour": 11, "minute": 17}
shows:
{"hour": 6, "minute": 0}
